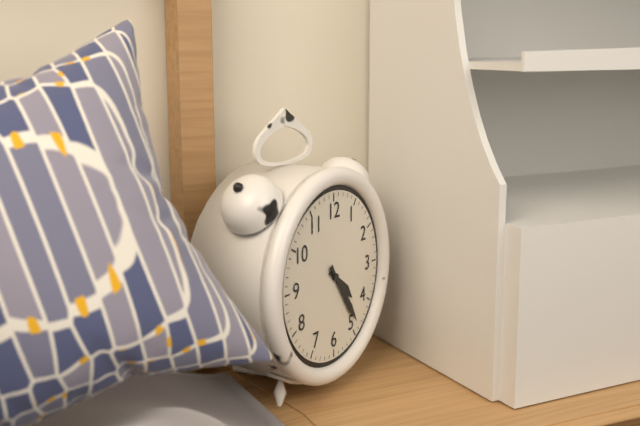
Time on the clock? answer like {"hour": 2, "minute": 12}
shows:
{"hour": 4, "minute": 24}
